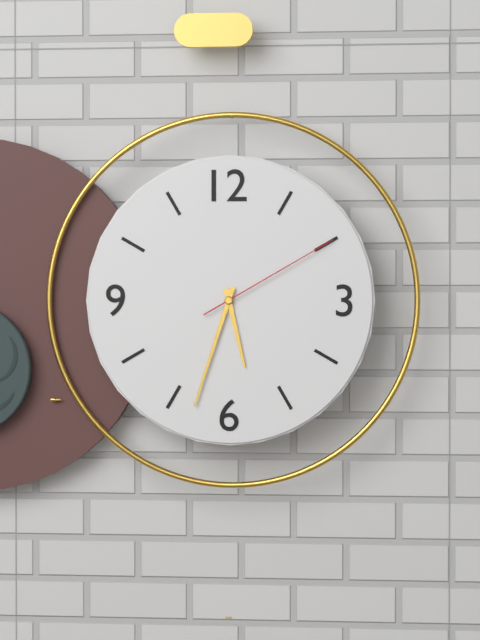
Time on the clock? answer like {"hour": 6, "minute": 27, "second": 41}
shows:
{"hour": 5, "minute": 33, "second": 10}
